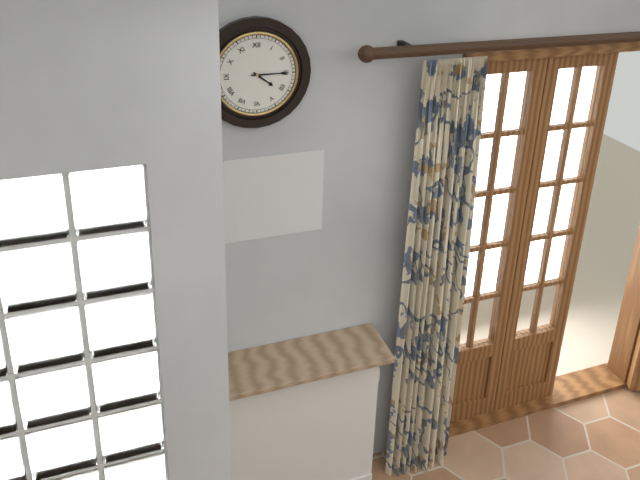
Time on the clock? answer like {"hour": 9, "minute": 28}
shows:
{"hour": 4, "minute": 15}
